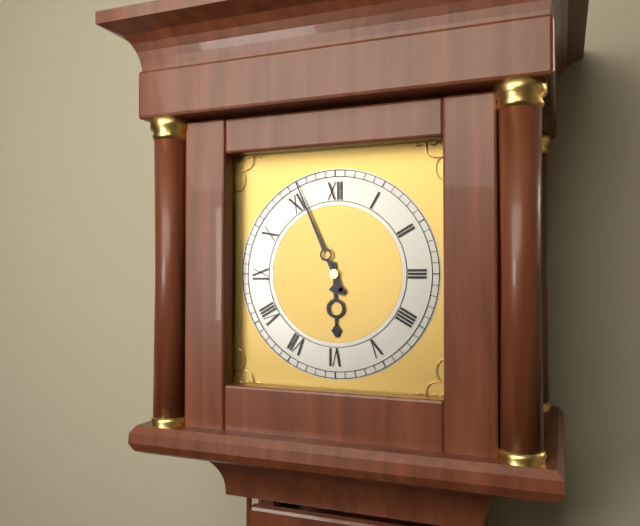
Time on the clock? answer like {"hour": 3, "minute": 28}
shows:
{"hour": 5, "minute": 56}
